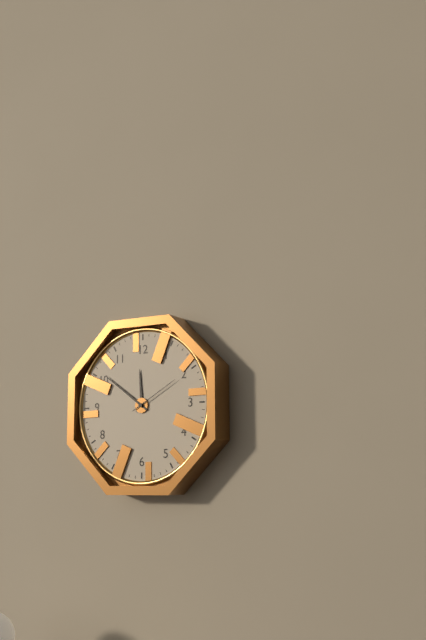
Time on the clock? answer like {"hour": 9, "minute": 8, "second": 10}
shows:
{"hour": 11, "minute": 51, "second": 10}
